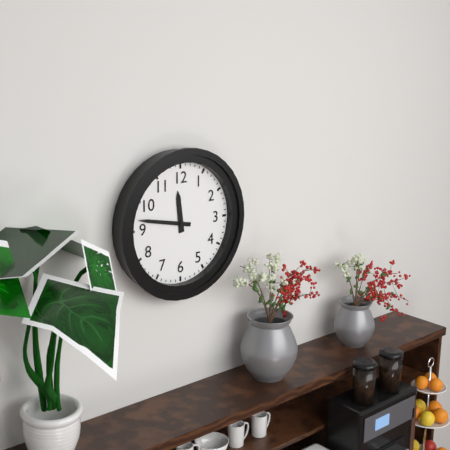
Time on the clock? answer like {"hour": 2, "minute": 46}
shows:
{"hour": 11, "minute": 47}
